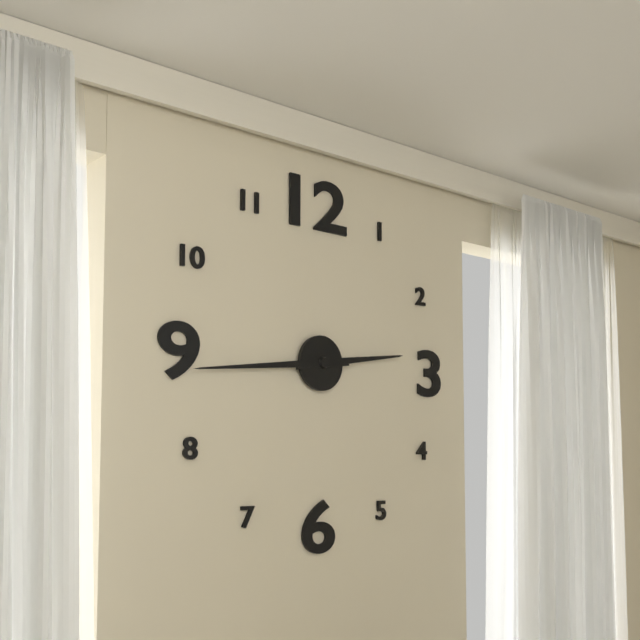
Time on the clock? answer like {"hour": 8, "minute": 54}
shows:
{"hour": 2, "minute": 44}
